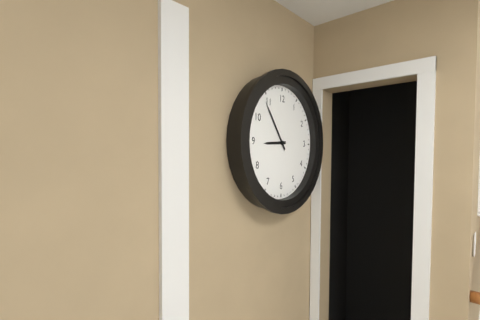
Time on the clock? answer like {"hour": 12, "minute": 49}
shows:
{"hour": 8, "minute": 54}
